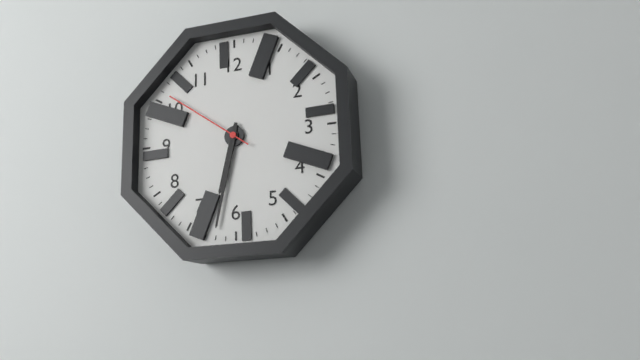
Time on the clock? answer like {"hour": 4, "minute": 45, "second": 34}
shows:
{"hour": 6, "minute": 32, "second": 51}
